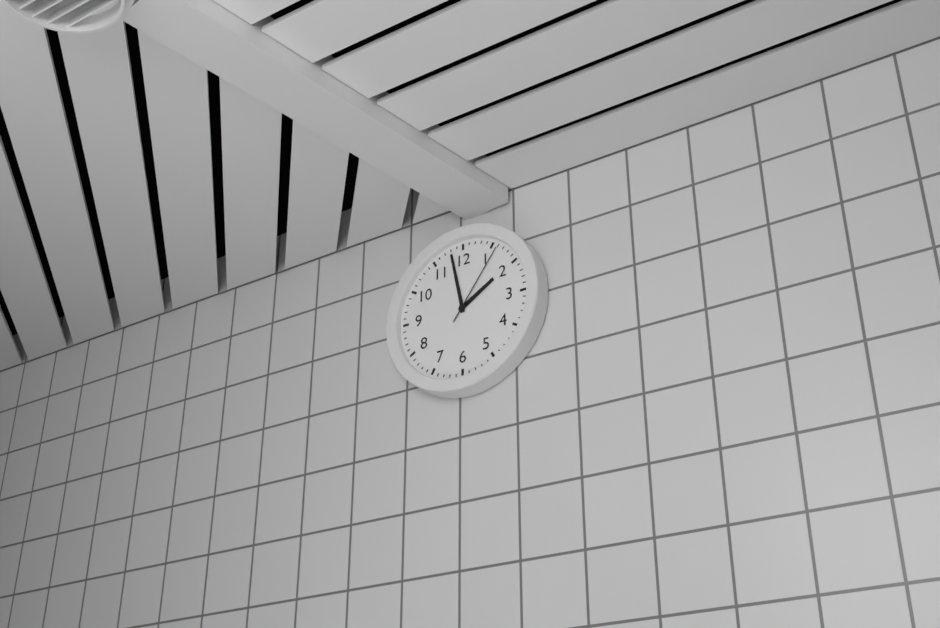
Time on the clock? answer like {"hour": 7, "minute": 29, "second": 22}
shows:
{"hour": 1, "minute": 58, "second": 6}
